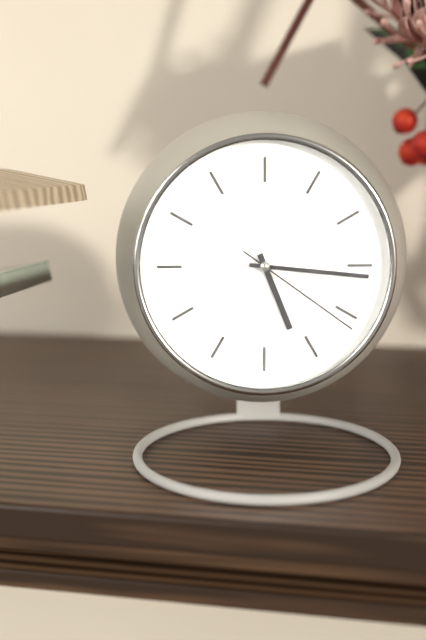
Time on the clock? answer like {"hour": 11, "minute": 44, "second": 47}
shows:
{"hour": 5, "minute": 16, "second": 21}
